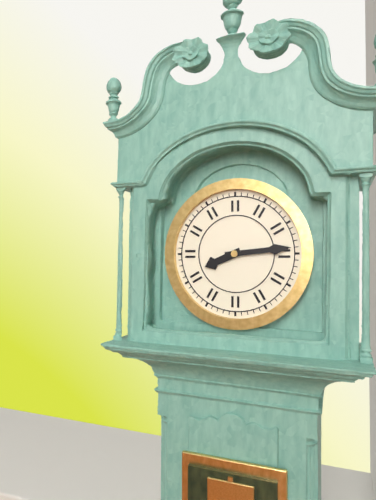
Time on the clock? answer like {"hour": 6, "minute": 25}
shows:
{"hour": 8, "minute": 14}
